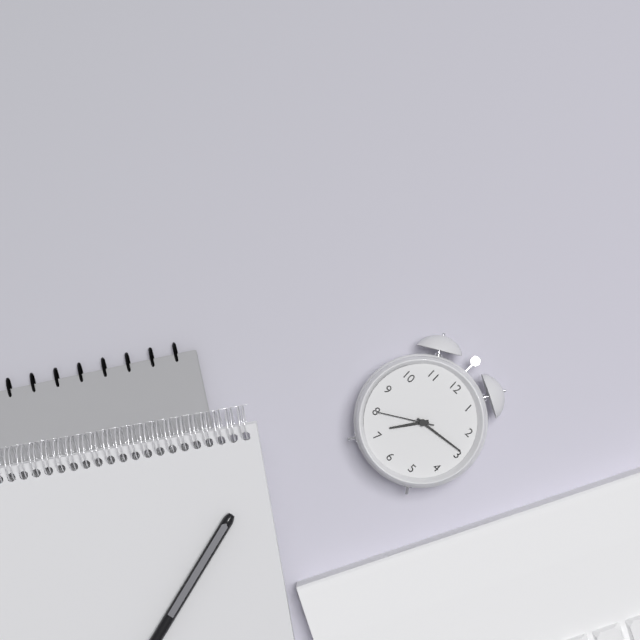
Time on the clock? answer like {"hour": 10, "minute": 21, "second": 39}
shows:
{"hour": 7, "minute": 14, "second": 40}
